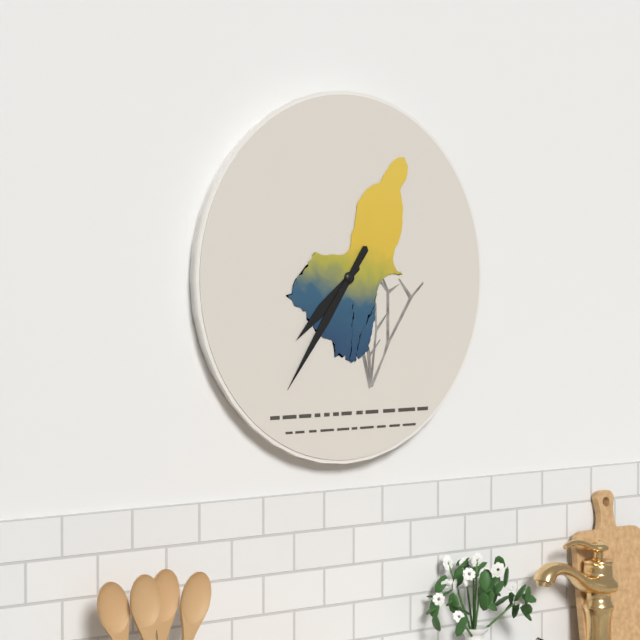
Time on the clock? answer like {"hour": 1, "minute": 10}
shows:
{"hour": 7, "minute": 36}
